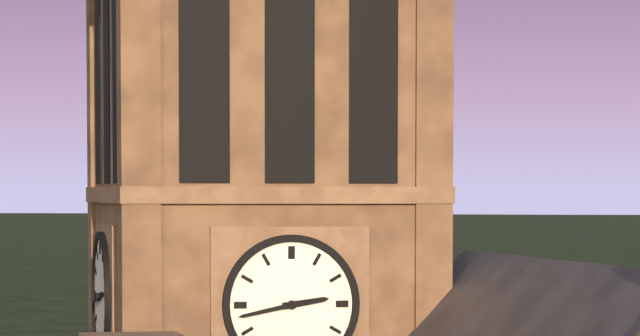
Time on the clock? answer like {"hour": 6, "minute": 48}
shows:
{"hour": 2, "minute": 43}
